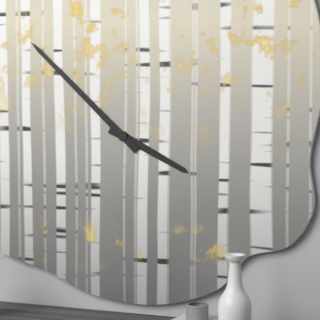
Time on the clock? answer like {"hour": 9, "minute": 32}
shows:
{"hour": 3, "minute": 52}
